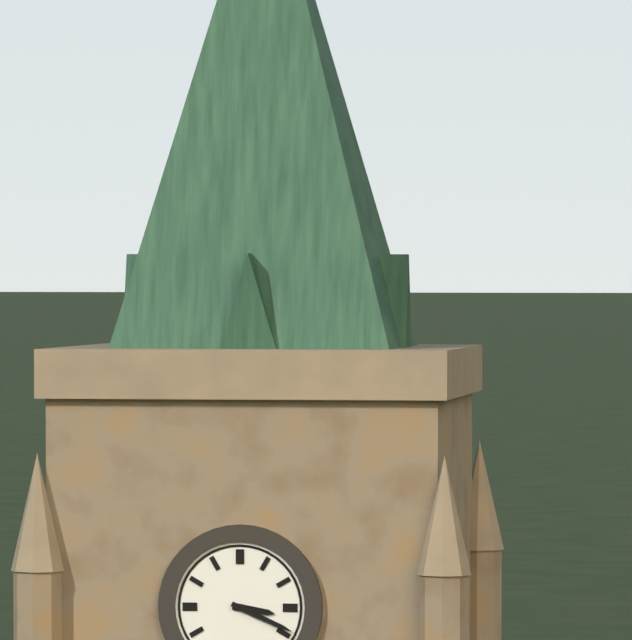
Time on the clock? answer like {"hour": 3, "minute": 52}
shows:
{"hour": 3, "minute": 19}
